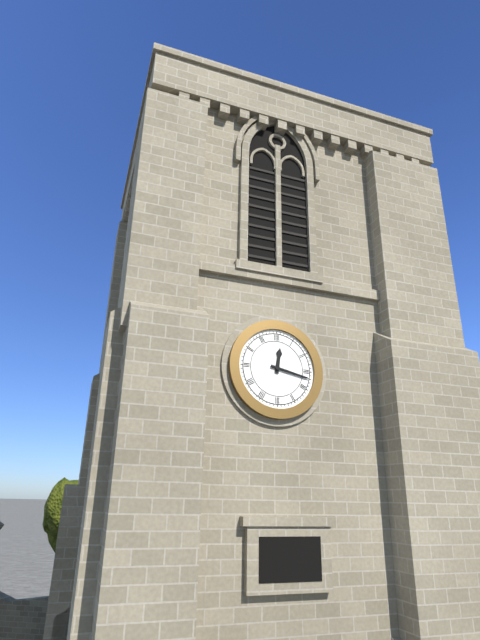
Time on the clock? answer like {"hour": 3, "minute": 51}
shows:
{"hour": 12, "minute": 17}
